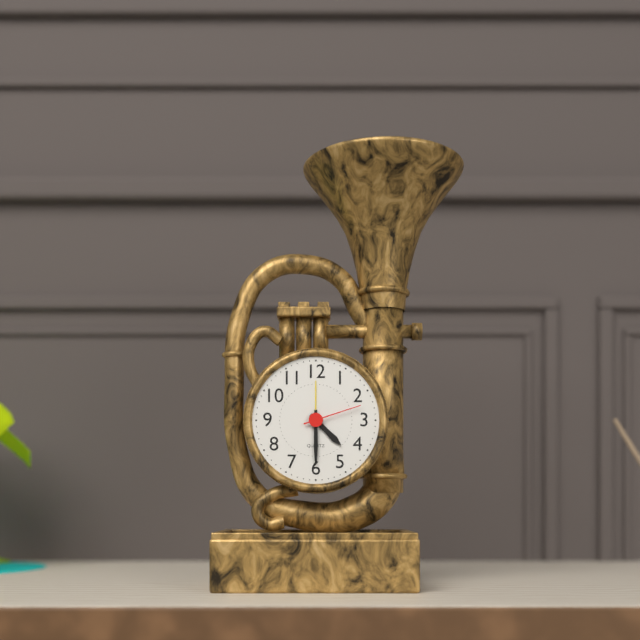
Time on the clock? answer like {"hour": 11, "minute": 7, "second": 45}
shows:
{"hour": 4, "minute": 30, "second": 12}
